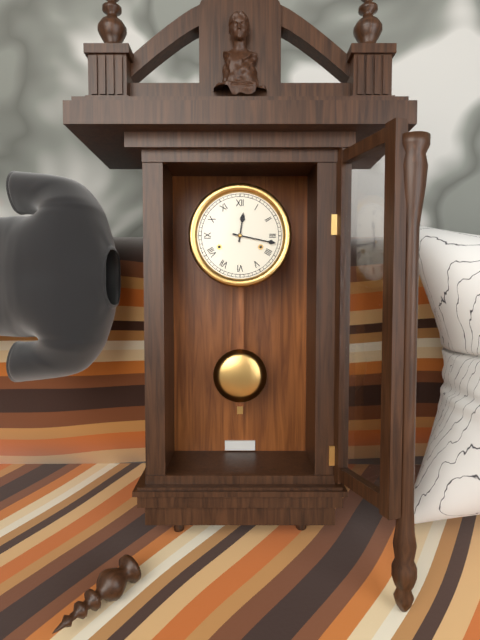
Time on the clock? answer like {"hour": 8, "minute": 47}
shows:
{"hour": 12, "minute": 17}
